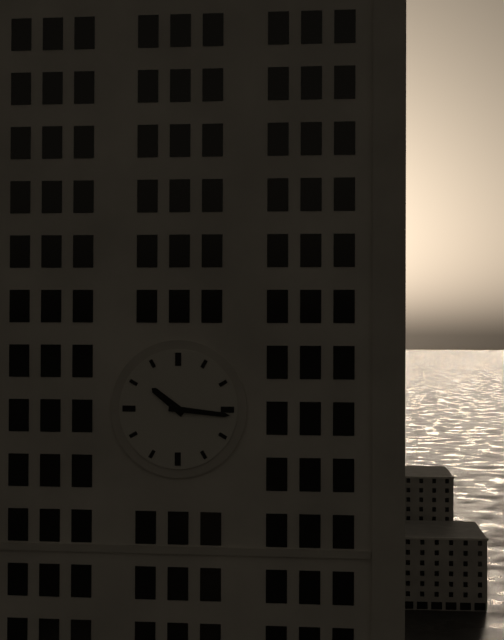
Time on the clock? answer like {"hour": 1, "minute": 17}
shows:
{"hour": 10, "minute": 16}
